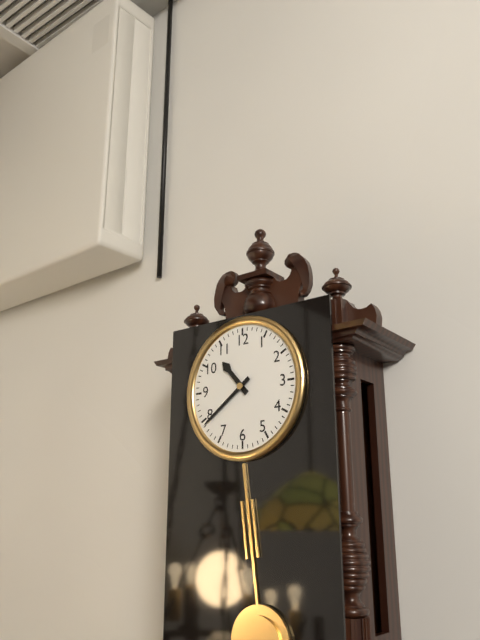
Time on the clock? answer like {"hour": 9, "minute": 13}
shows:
{"hour": 10, "minute": 39}
